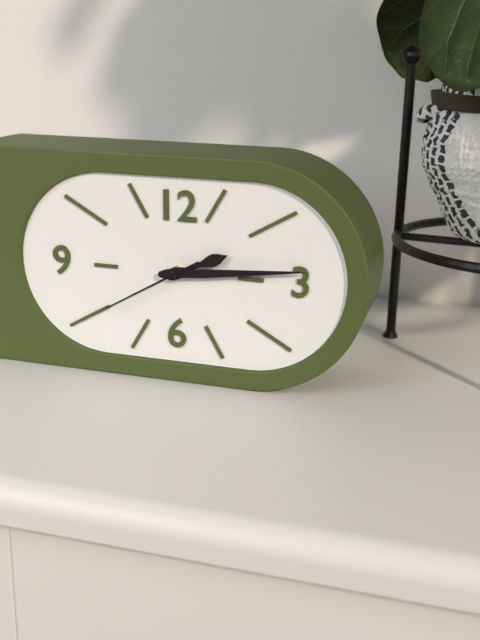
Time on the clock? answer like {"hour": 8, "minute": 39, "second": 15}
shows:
{"hour": 2, "minute": 14, "second": 40}
